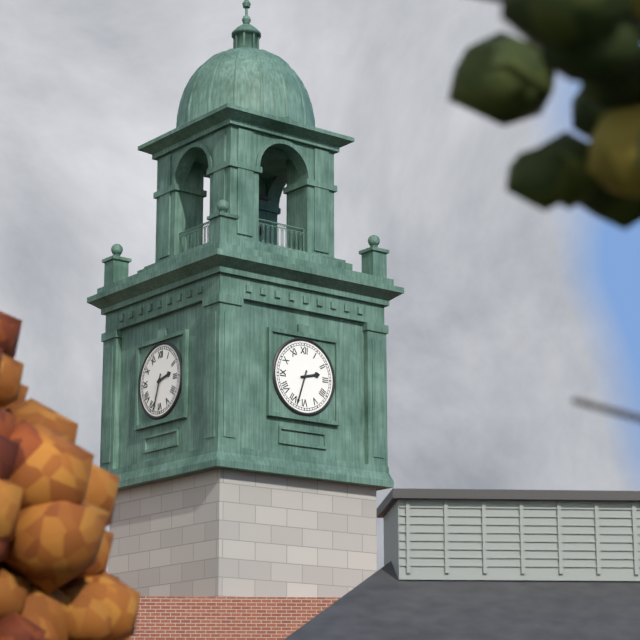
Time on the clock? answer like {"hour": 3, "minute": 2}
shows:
{"hour": 2, "minute": 33}
